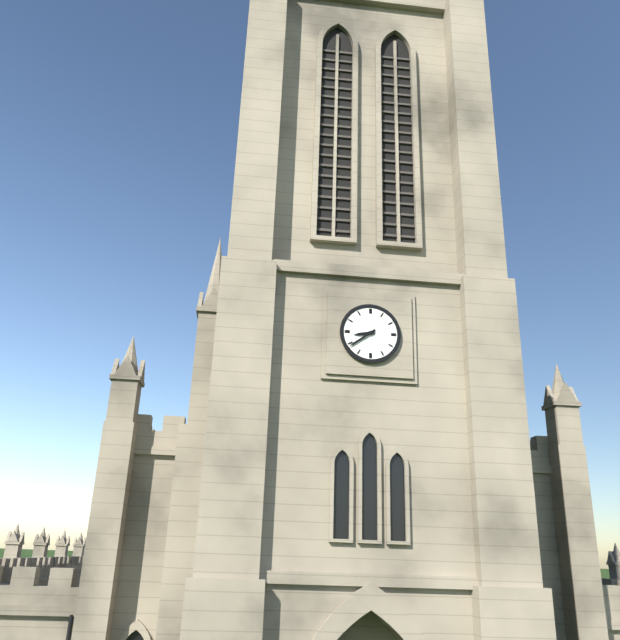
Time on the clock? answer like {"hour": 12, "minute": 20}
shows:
{"hour": 8, "minute": 39}
